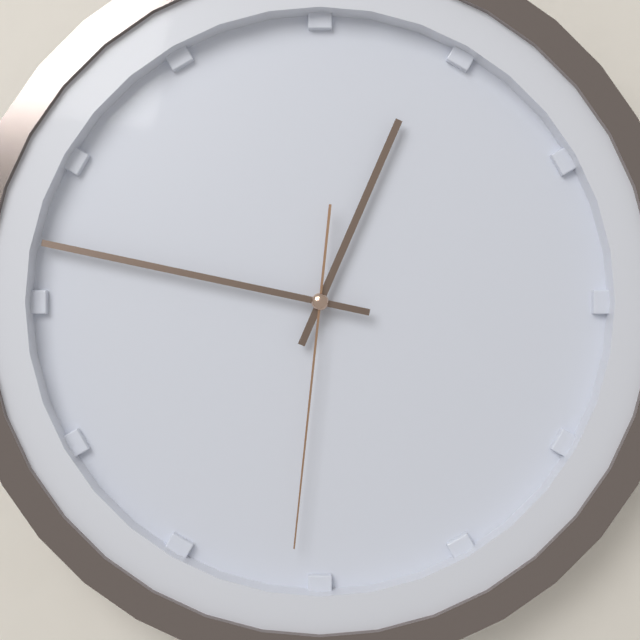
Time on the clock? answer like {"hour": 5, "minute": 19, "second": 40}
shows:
{"hour": 12, "minute": 47, "second": 31}
